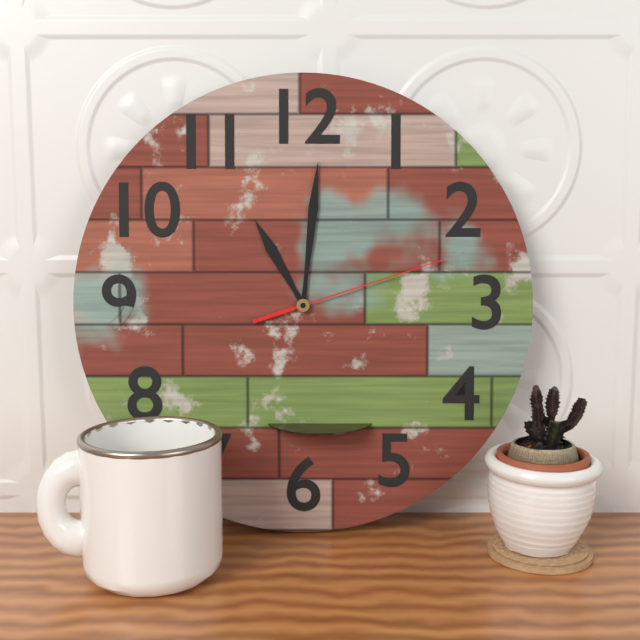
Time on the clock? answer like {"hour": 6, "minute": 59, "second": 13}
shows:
{"hour": 11, "minute": 1, "second": 12}
